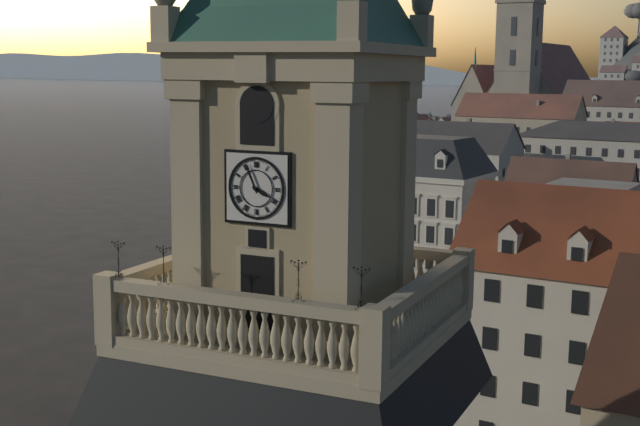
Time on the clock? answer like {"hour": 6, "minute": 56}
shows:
{"hour": 3, "minute": 56}
